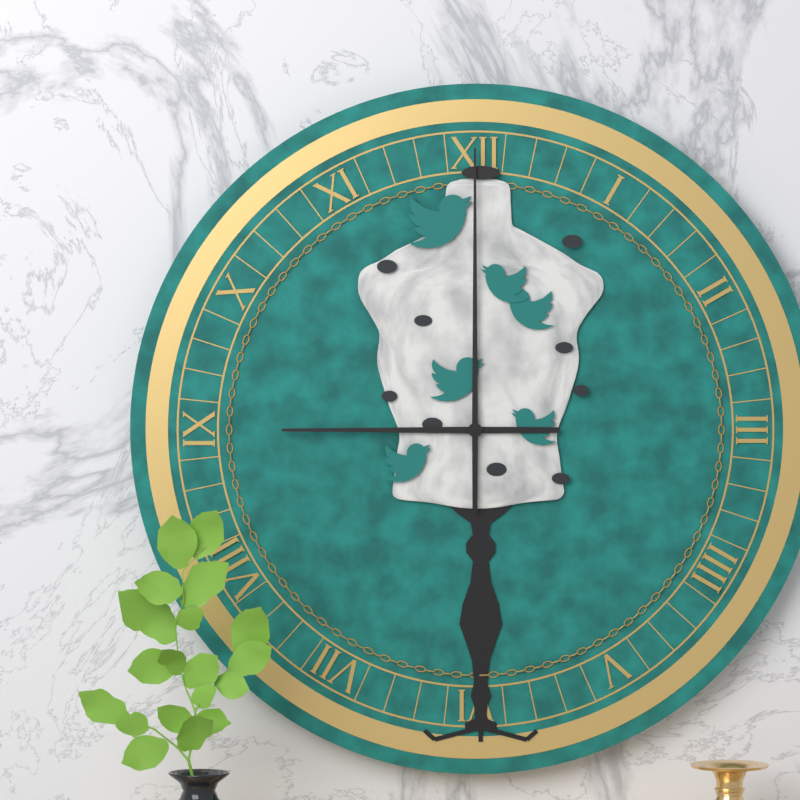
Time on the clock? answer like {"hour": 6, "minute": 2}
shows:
{"hour": 9, "minute": 0}
